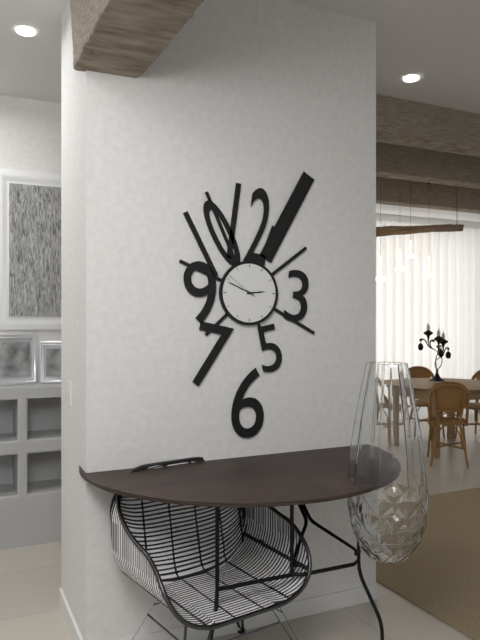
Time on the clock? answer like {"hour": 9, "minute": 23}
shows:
{"hour": 2, "minute": 49}
